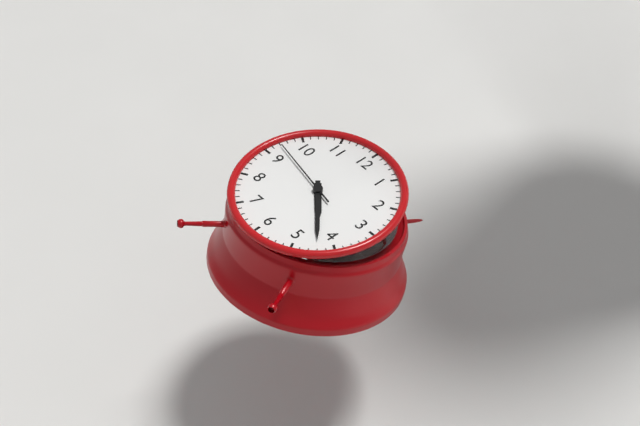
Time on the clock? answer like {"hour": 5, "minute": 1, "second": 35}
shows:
{"hour": 4, "minute": 22, "second": 47}
